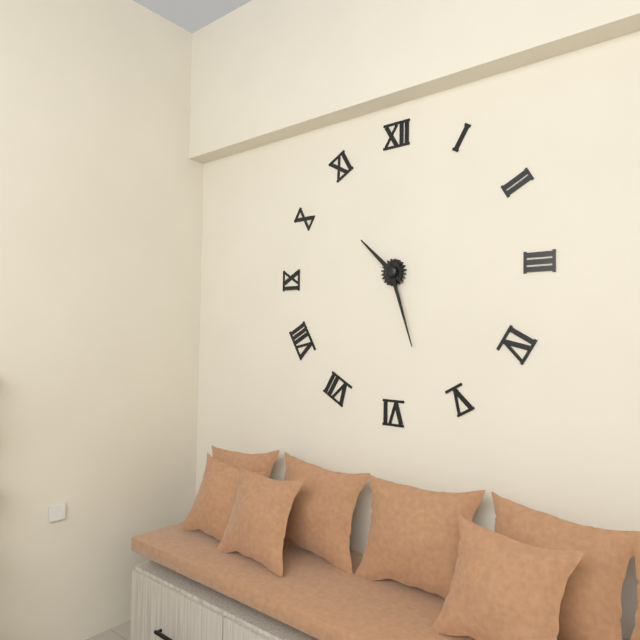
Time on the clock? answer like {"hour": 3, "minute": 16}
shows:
{"hour": 10, "minute": 27}
